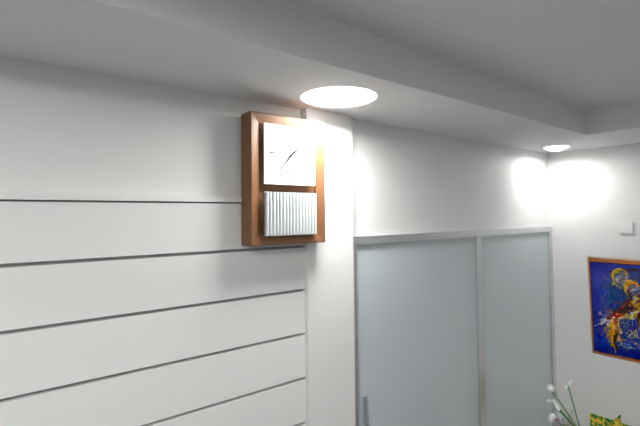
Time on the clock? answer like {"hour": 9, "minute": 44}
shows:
{"hour": 1, "minute": 37}
